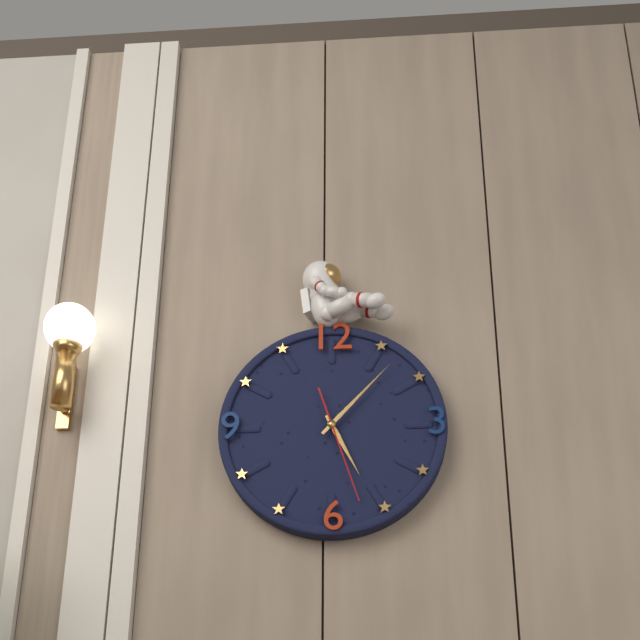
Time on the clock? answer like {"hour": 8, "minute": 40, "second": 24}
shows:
{"hour": 5, "minute": 7, "second": 27}
